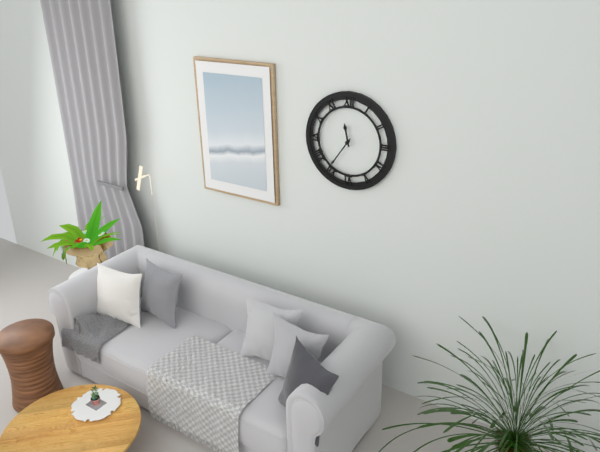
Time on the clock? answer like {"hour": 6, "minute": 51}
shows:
{"hour": 11, "minute": 36}
